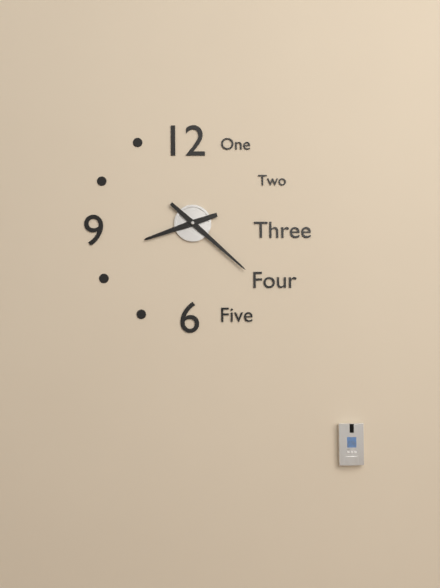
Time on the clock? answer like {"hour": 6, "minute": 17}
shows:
{"hour": 8, "minute": 22}
